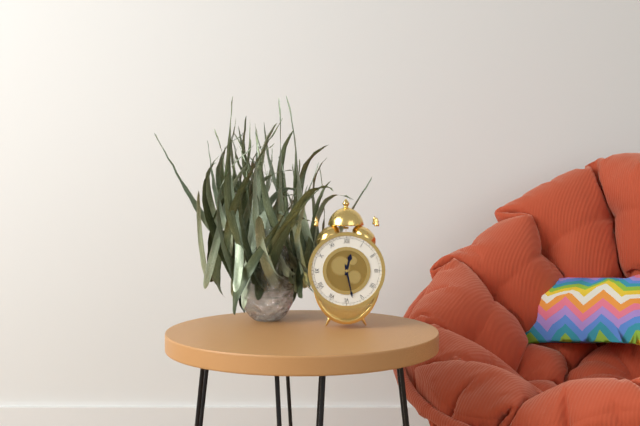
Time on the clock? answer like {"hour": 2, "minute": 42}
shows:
{"hour": 12, "minute": 28}
